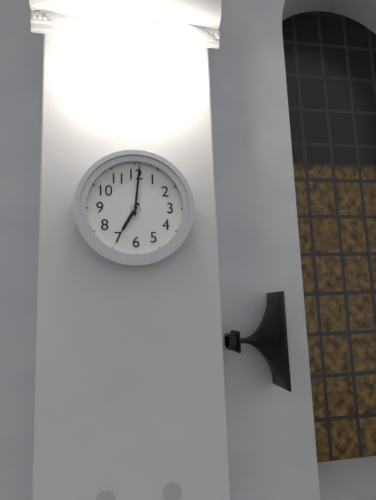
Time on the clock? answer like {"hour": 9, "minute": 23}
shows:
{"hour": 7, "minute": 1}
